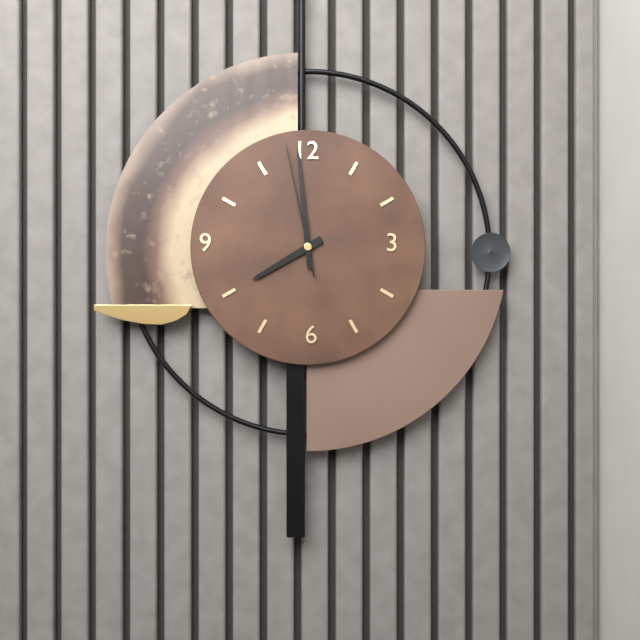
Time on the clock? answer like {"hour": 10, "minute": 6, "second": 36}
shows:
{"hour": 7, "minute": 59, "second": 58}
